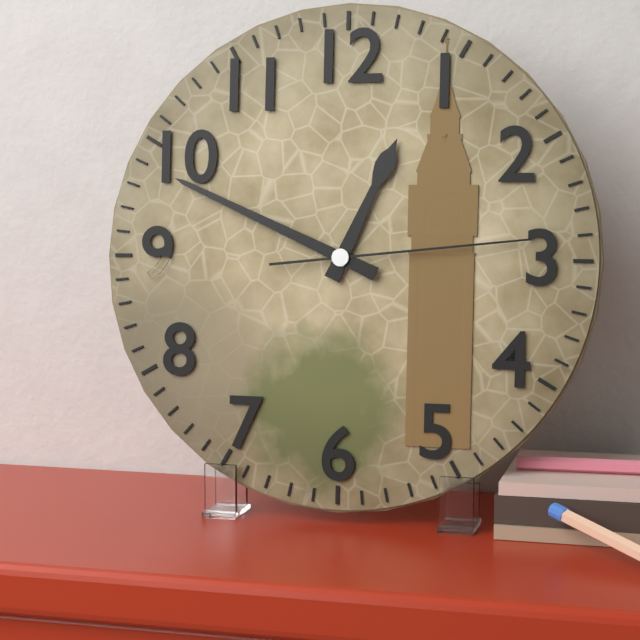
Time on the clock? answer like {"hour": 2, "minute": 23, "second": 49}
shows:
{"hour": 12, "minute": 49, "second": 14}
